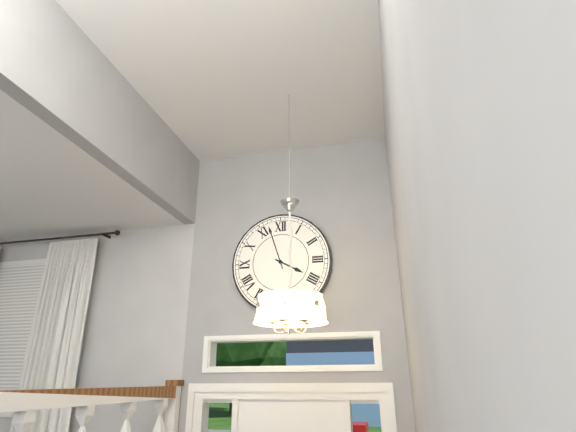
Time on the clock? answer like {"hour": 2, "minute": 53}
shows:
{"hour": 3, "minute": 57}
